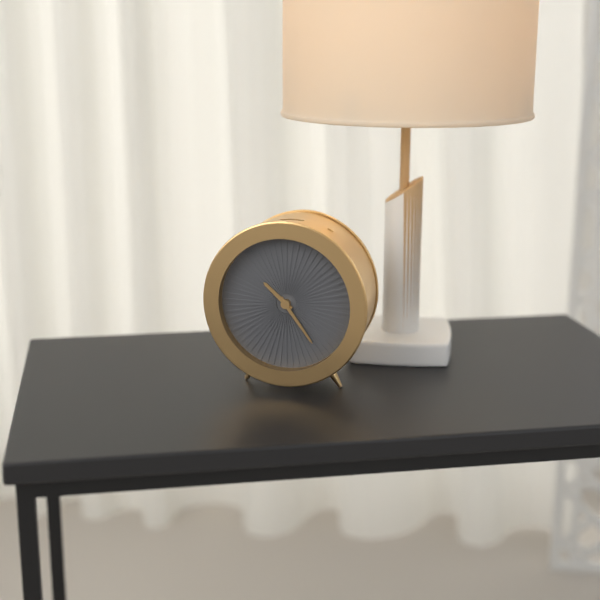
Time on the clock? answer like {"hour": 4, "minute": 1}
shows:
{"hour": 10, "minute": 24}
